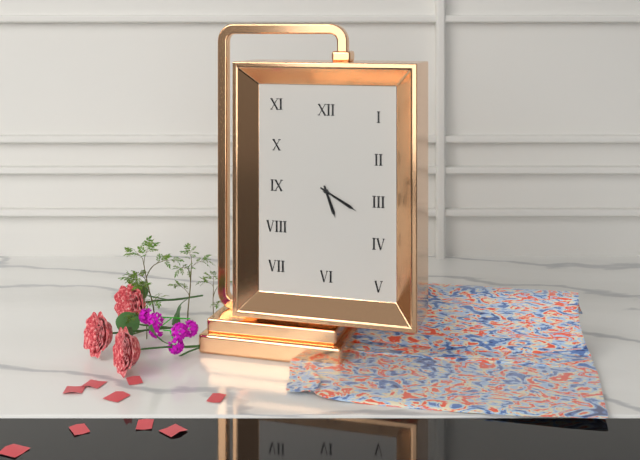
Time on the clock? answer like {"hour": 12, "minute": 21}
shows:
{"hour": 5, "minute": 20}
